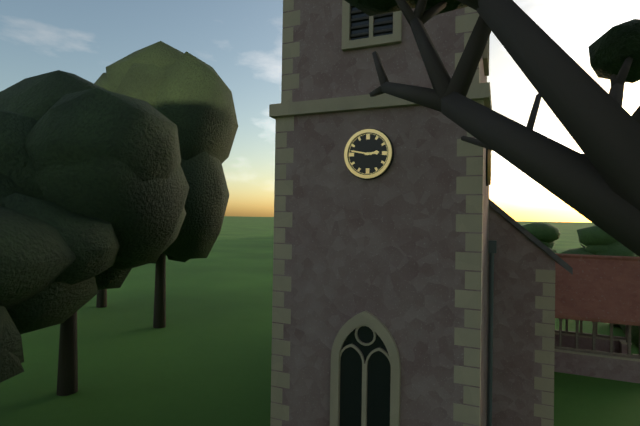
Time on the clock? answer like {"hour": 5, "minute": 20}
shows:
{"hour": 2, "minute": 47}
